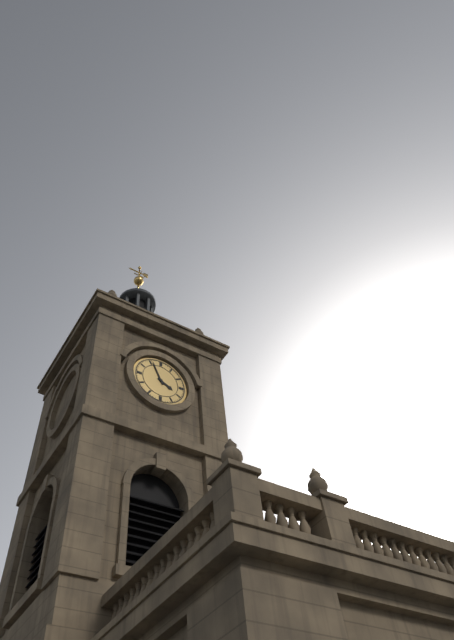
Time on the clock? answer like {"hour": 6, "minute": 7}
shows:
{"hour": 3, "minute": 56}
